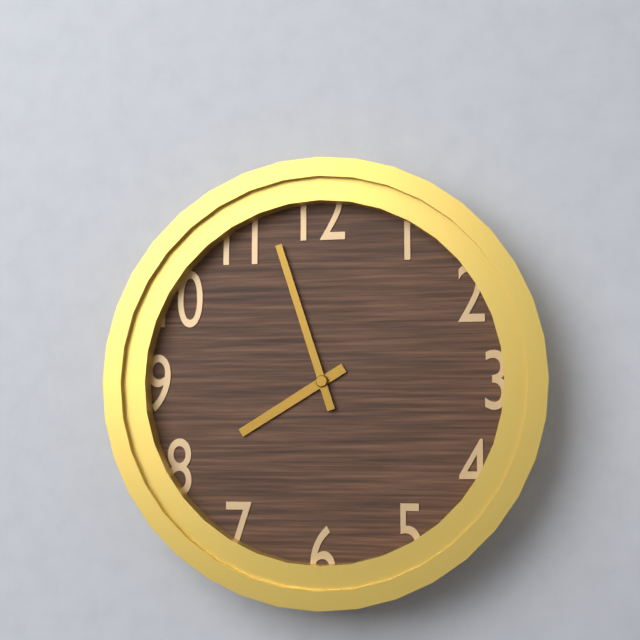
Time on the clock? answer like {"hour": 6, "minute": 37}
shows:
{"hour": 7, "minute": 57}
